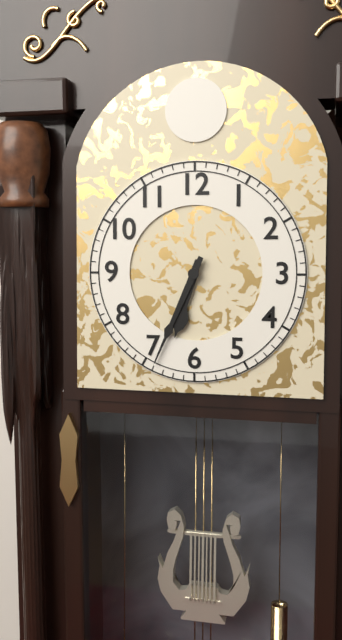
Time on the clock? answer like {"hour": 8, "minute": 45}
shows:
{"hour": 6, "minute": 34}
